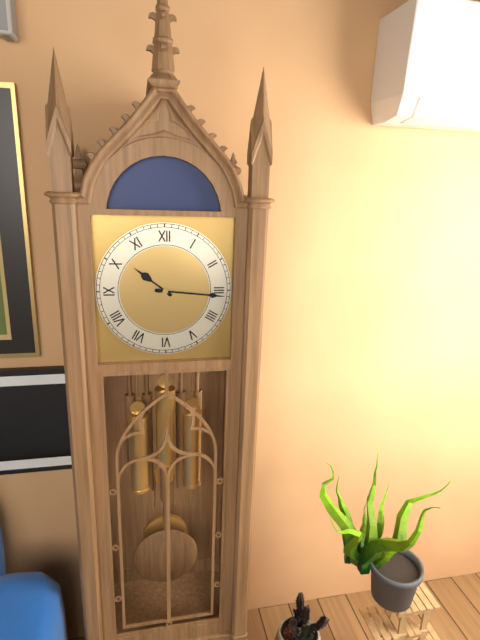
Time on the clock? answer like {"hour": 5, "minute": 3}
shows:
{"hour": 10, "minute": 16}
